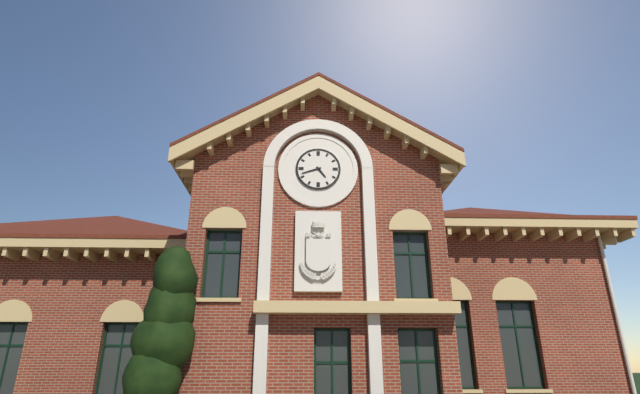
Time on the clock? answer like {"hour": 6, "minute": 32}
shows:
{"hour": 4, "minute": 42}
